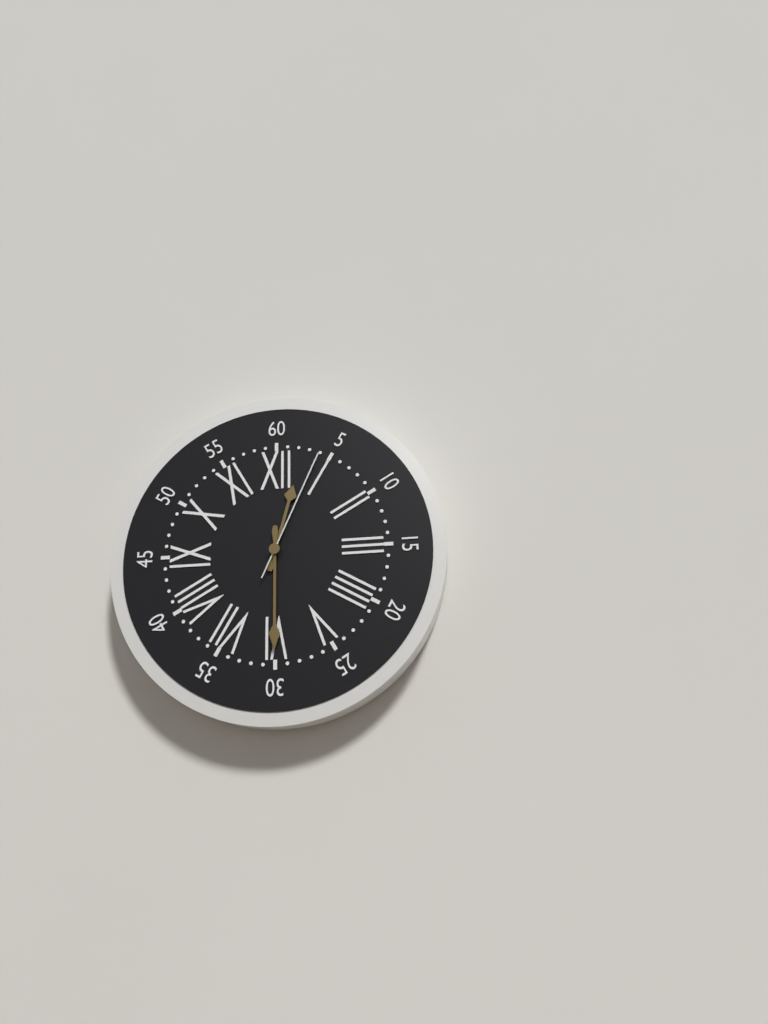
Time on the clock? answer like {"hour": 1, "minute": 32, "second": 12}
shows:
{"hour": 12, "minute": 30, "second": 4}
